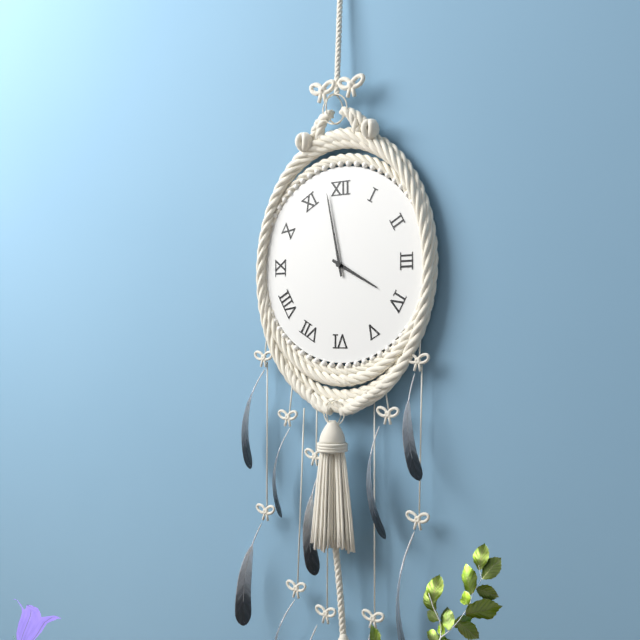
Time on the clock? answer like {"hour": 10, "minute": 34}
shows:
{"hour": 3, "minute": 58}
